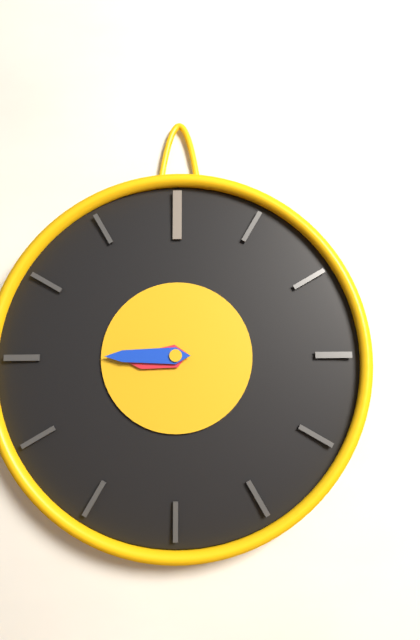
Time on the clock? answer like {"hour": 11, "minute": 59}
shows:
{"hour": 8, "minute": 45}
